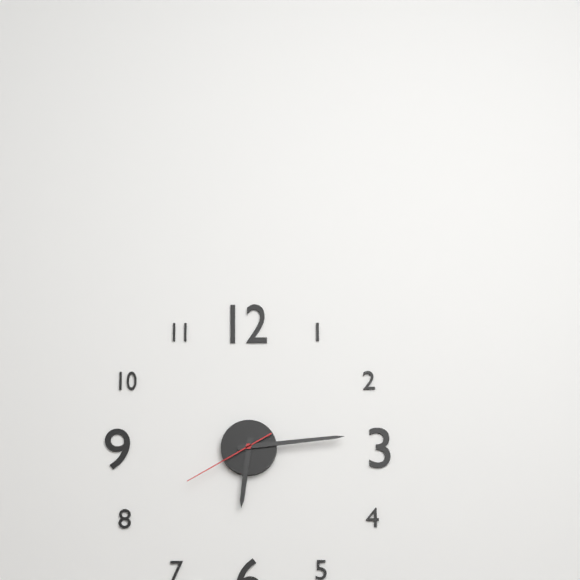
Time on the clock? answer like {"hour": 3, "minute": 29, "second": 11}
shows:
{"hour": 6, "minute": 14, "second": 40}
